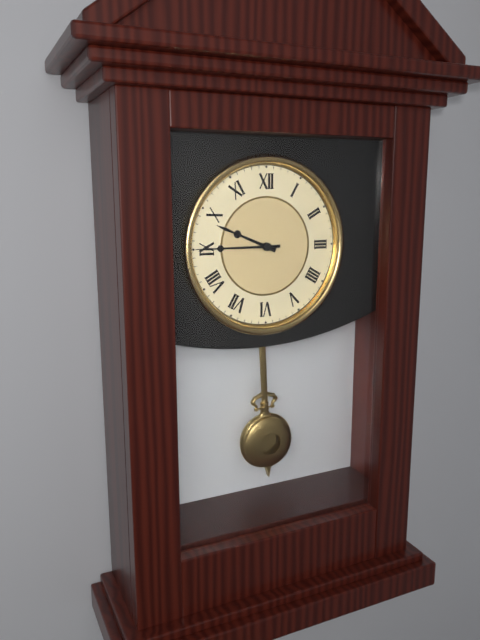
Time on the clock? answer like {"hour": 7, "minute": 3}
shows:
{"hour": 9, "minute": 45}
